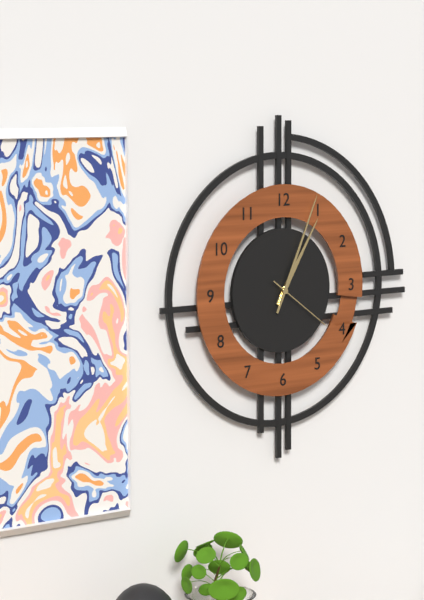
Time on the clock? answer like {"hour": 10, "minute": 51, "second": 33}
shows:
{"hour": 1, "minute": 4, "second": 21}
